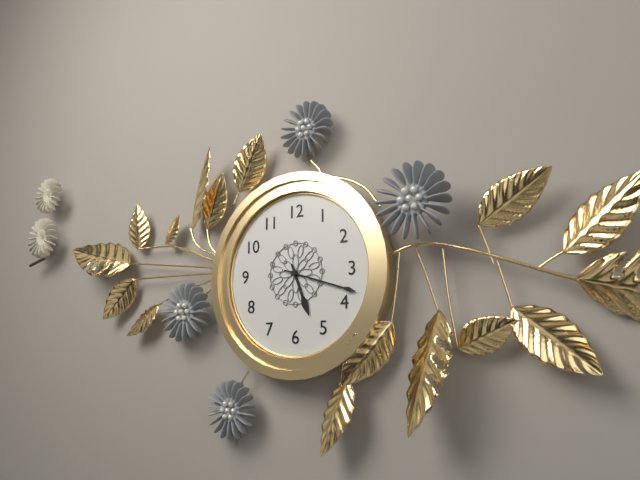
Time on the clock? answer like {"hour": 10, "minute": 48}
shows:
{"hour": 5, "minute": 18}
